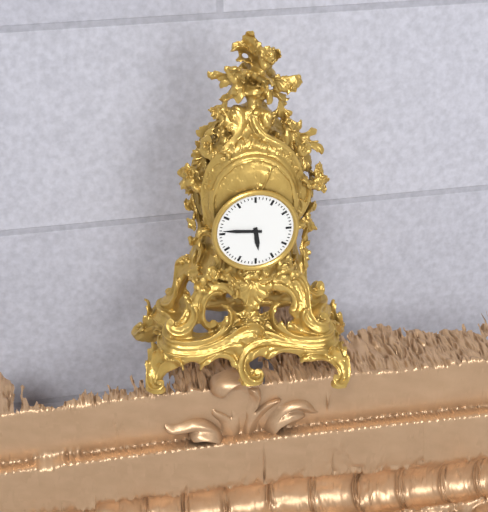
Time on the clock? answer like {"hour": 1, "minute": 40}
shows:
{"hour": 5, "minute": 46}
